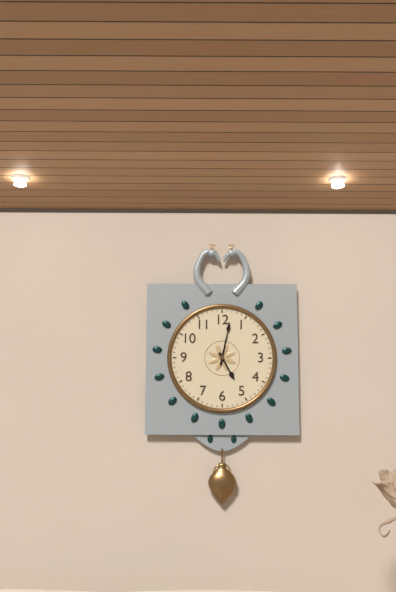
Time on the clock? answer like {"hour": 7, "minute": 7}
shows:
{"hour": 5, "minute": 2}
